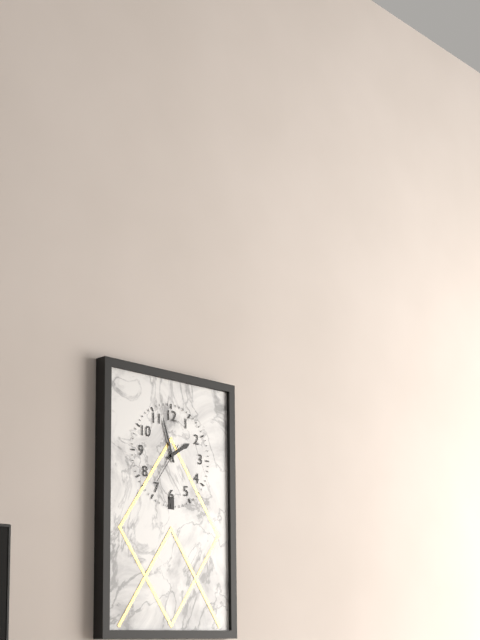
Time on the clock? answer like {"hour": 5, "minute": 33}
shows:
{"hour": 1, "minute": 57}
